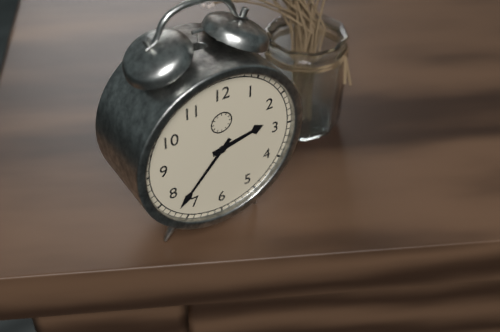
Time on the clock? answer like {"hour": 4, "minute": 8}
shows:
{"hour": 2, "minute": 37}
